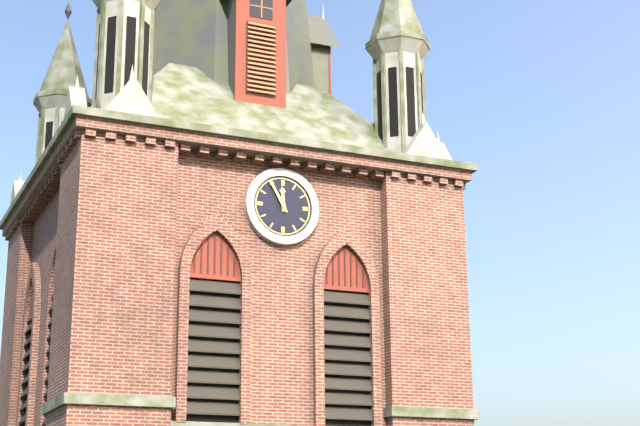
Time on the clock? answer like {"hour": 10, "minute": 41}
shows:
{"hour": 11, "minute": 55}
